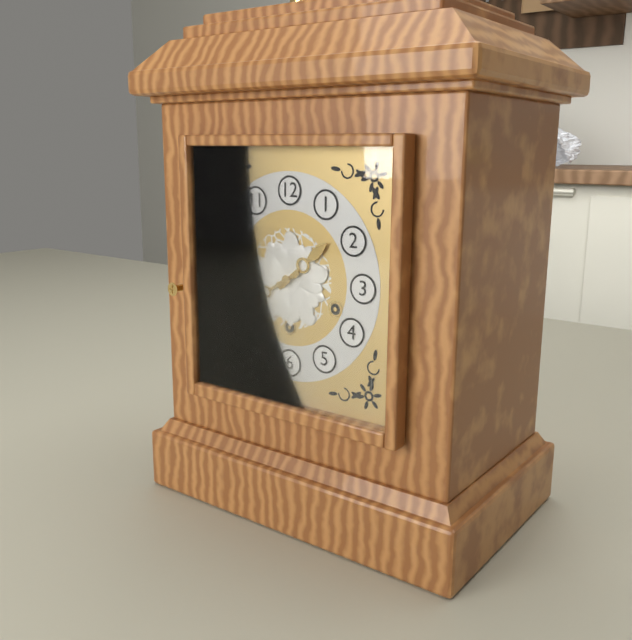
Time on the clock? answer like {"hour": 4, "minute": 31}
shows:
{"hour": 1, "minute": 40}
